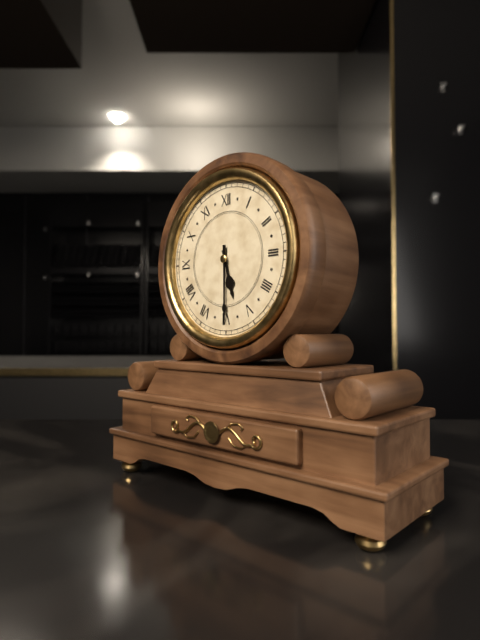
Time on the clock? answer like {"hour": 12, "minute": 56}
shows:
{"hour": 5, "minute": 30}
